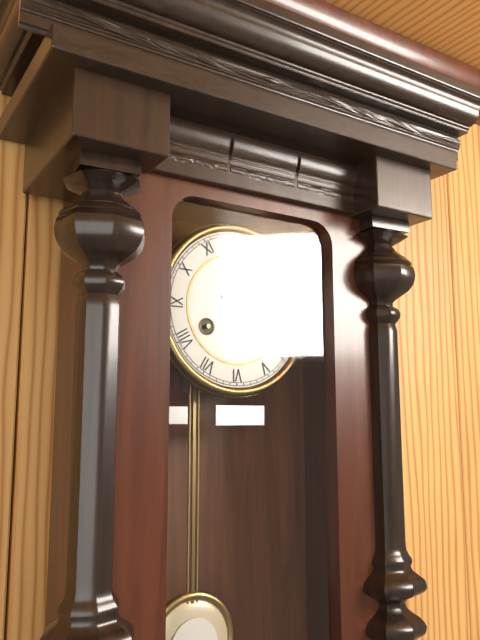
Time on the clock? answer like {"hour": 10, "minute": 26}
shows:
{"hour": 12, "minute": 22}
